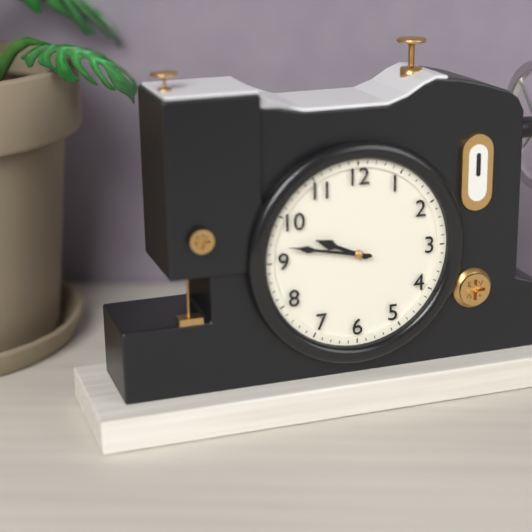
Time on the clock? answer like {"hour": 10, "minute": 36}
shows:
{"hour": 9, "minute": 47}
